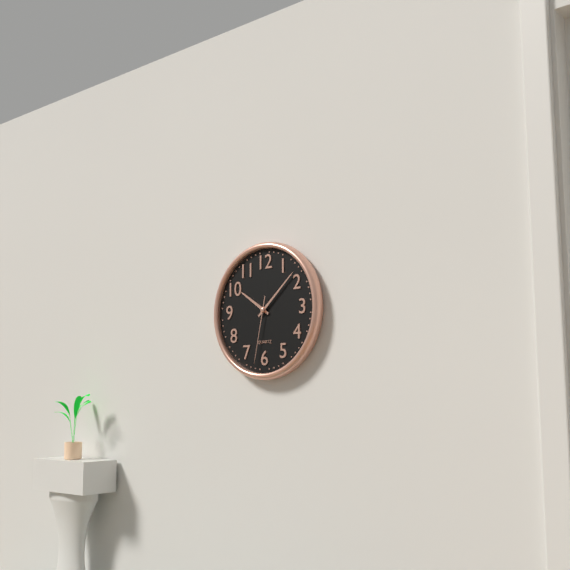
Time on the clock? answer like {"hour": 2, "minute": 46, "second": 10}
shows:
{"hour": 10, "minute": 8, "second": 32}
